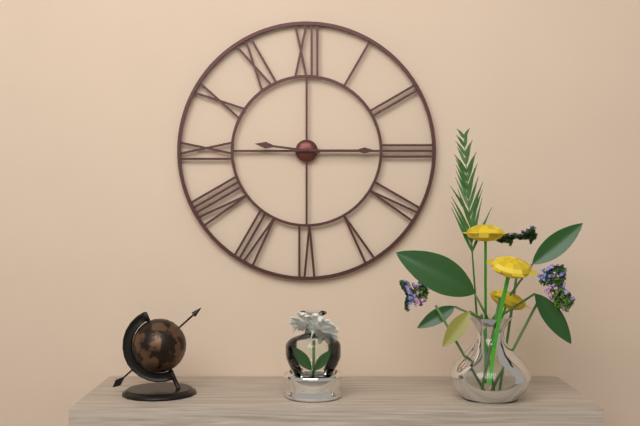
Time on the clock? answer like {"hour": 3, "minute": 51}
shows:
{"hour": 9, "minute": 15}
